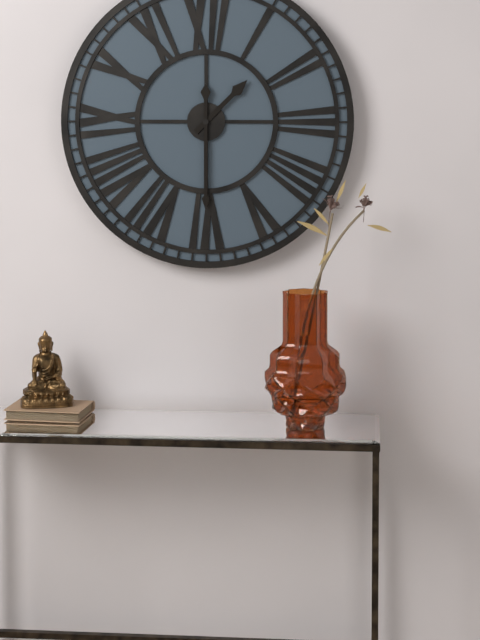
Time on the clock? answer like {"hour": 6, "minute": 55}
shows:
{"hour": 1, "minute": 30}
